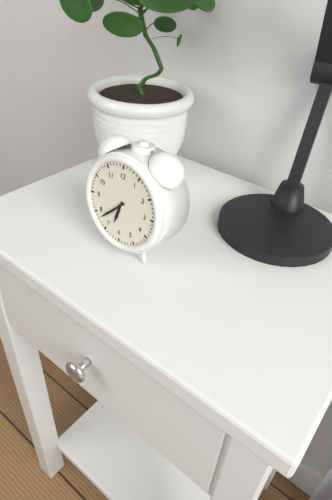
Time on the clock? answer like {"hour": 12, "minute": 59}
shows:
{"hour": 6, "minute": 38}
